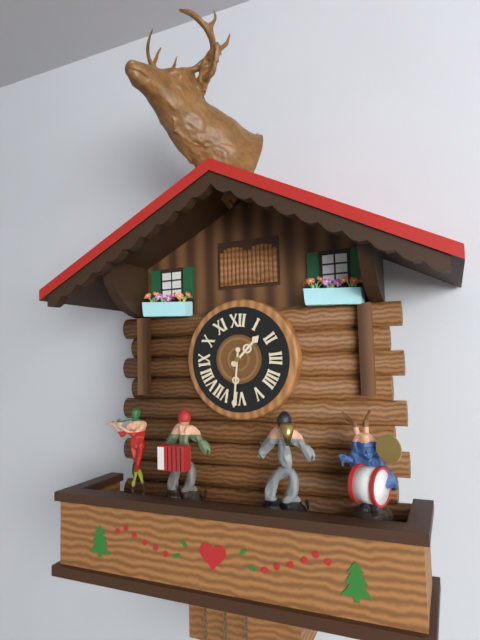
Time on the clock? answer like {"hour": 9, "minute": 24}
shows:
{"hour": 1, "minute": 31}
